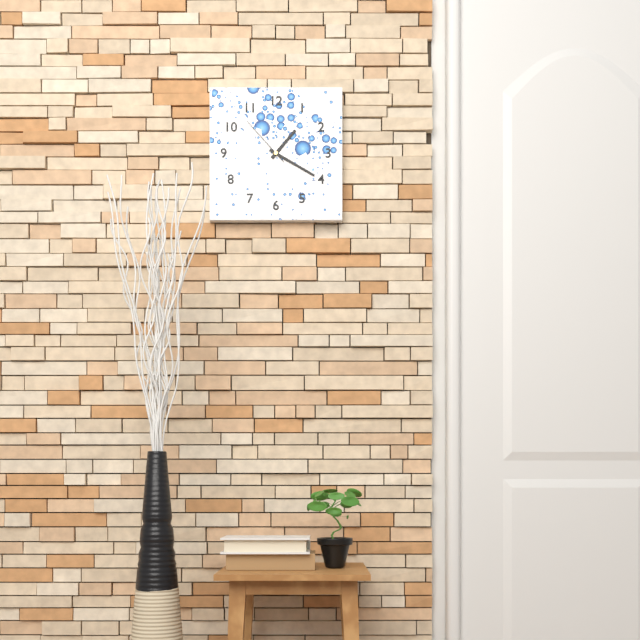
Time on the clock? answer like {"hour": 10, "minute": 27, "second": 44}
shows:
{"hour": 1, "minute": 20, "second": 53}
